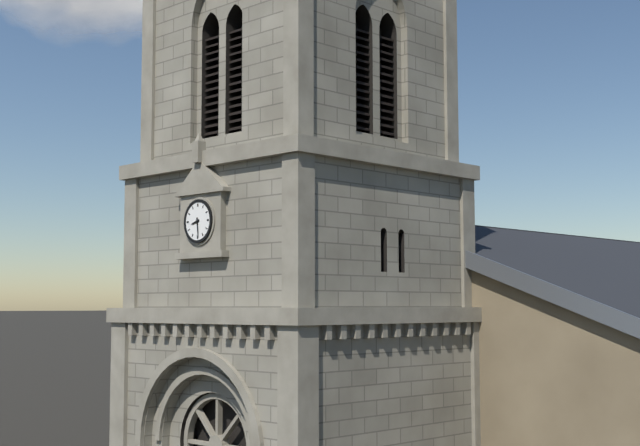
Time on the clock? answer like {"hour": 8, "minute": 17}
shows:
{"hour": 8, "minute": 29}
